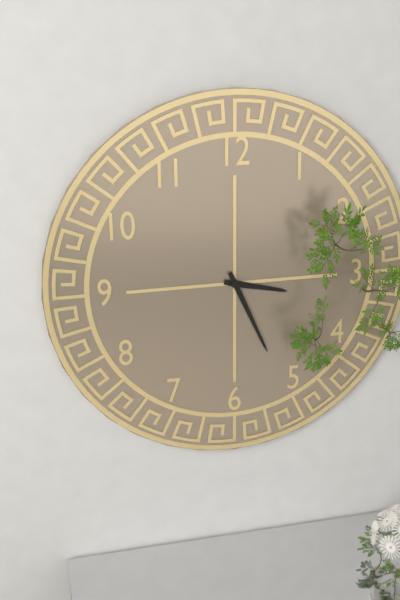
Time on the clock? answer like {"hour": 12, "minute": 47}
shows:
{"hour": 3, "minute": 26}
